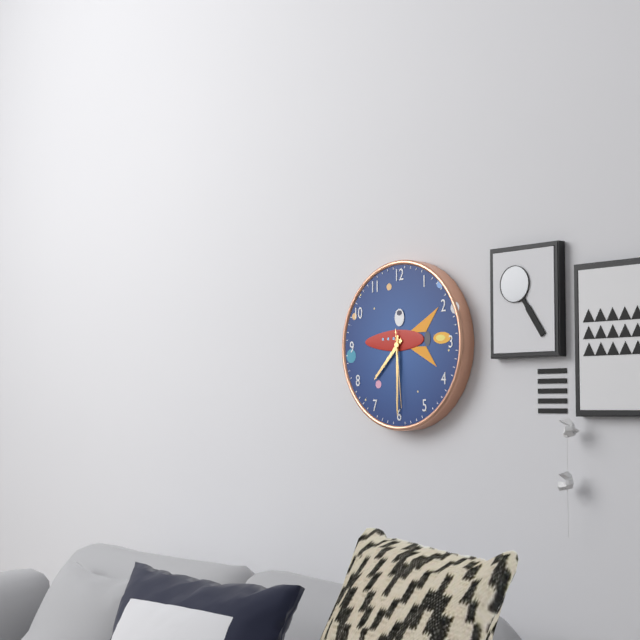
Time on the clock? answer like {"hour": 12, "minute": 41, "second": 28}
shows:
{"hour": 7, "minute": 30, "second": 29}
